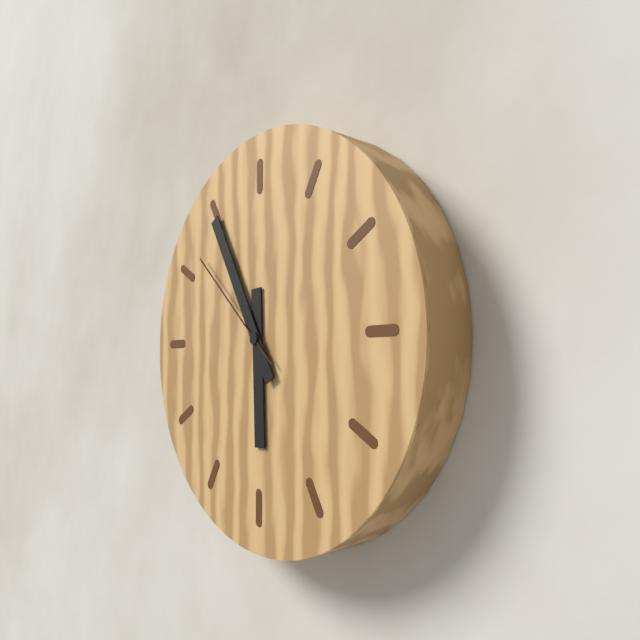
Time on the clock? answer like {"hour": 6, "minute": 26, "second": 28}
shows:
{"hour": 5, "minute": 55, "second": 52}
